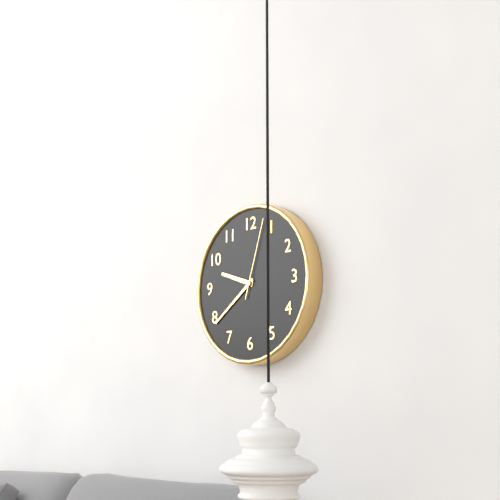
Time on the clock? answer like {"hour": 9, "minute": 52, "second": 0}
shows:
{"hour": 9, "minute": 39, "second": 3}
